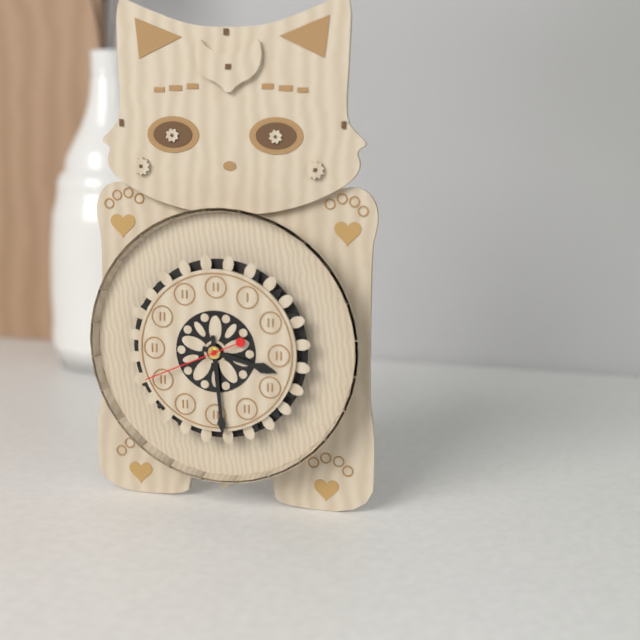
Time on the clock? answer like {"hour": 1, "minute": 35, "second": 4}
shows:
{"hour": 3, "minute": 29, "second": 41}
